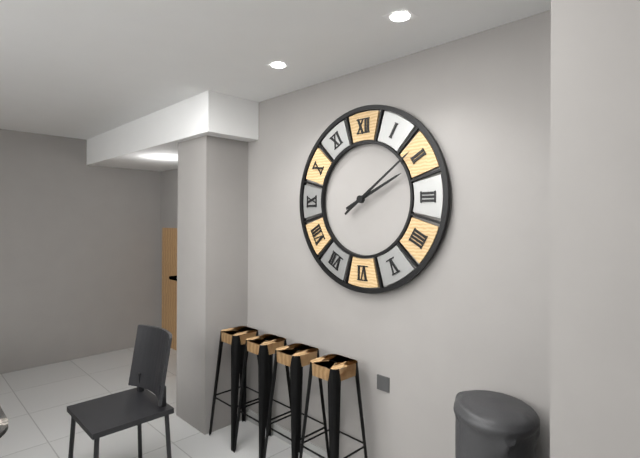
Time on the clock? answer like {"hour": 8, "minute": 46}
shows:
{"hour": 2, "minute": 9}
